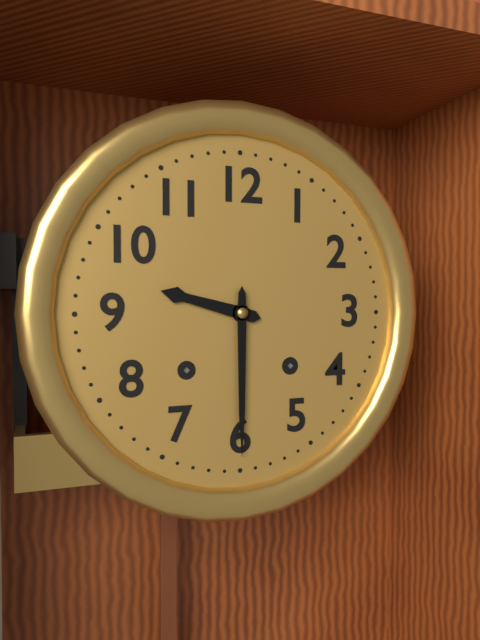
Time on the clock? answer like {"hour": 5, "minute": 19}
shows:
{"hour": 9, "minute": 30}
